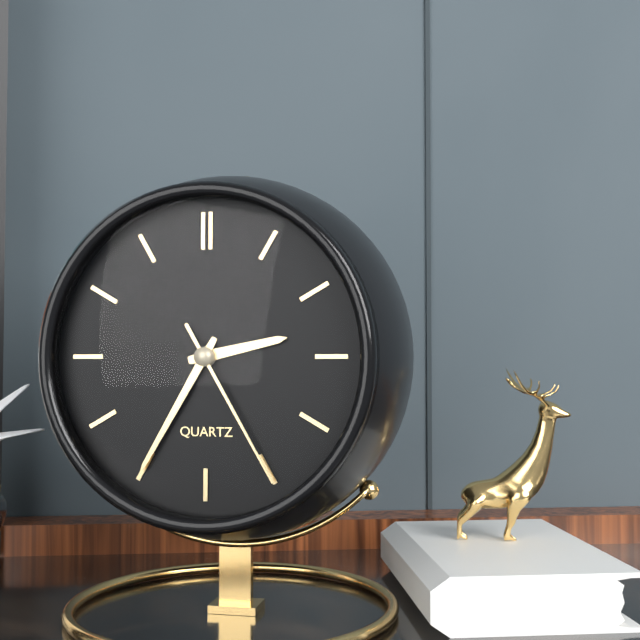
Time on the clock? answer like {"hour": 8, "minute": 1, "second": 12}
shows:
{"hour": 2, "minute": 35, "second": 25}
